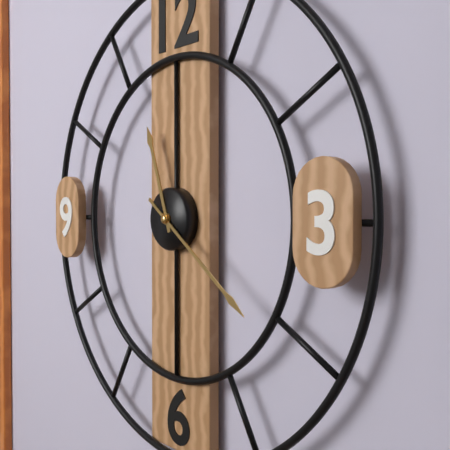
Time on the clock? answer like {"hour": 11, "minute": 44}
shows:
{"hour": 11, "minute": 21}
